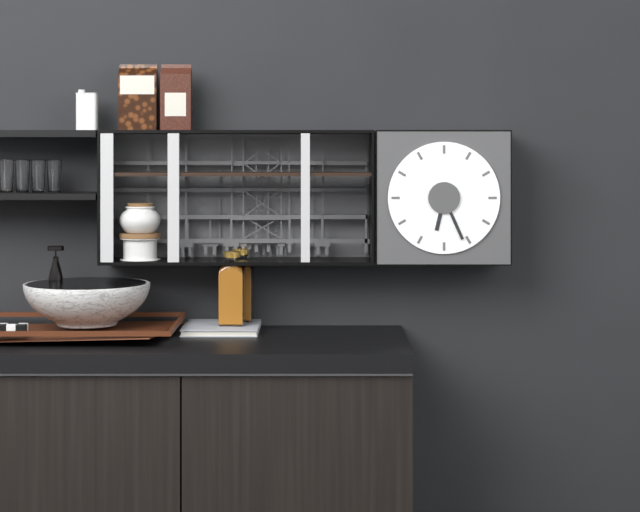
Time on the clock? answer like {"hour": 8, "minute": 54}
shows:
{"hour": 6, "minute": 26}
